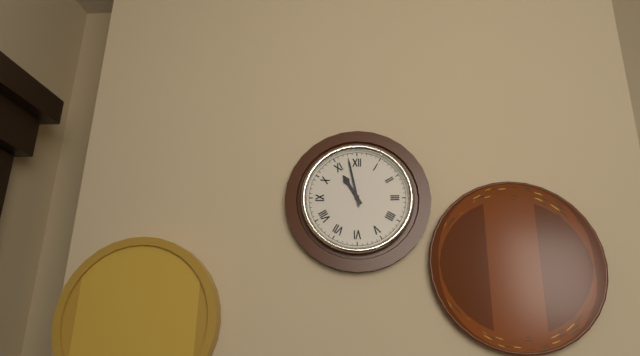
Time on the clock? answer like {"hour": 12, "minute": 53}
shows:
{"hour": 10, "minute": 58}
